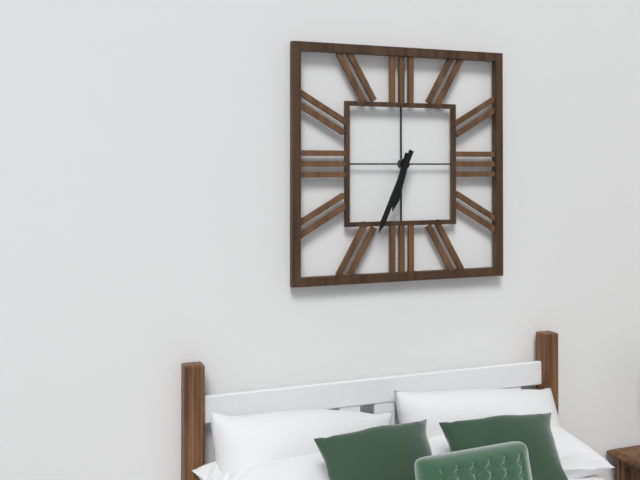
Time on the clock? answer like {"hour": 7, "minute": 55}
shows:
{"hour": 6, "minute": 34}
